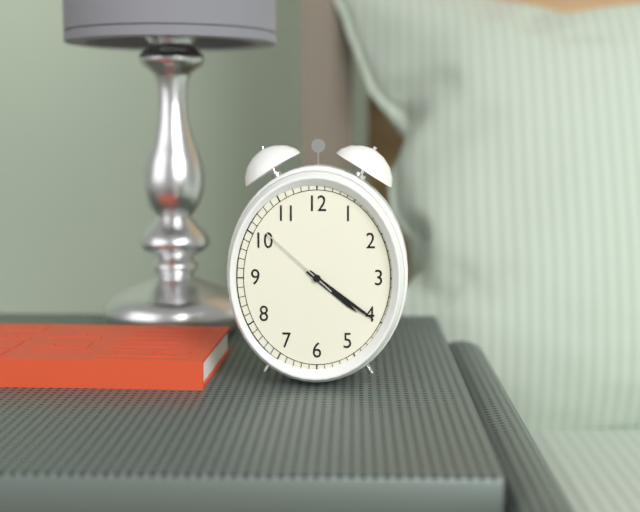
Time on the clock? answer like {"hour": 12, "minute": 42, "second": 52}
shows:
{"hour": 4, "minute": 21, "second": 52}
